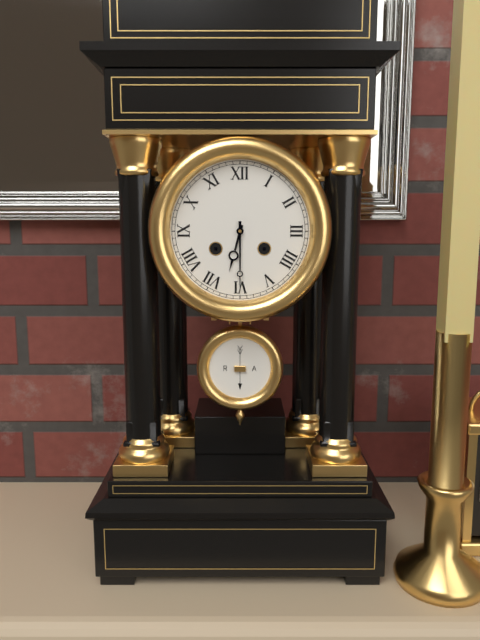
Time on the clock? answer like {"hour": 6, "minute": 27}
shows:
{"hour": 6, "minute": 30}
